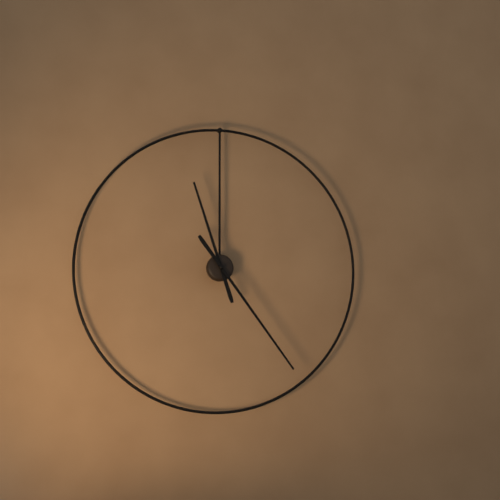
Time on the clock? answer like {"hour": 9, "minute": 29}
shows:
{"hour": 11, "minute": 24}
